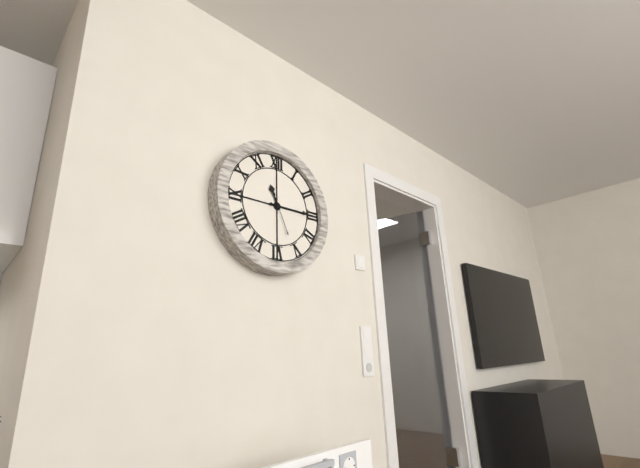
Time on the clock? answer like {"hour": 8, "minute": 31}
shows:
{"hour": 11, "minute": 15}
